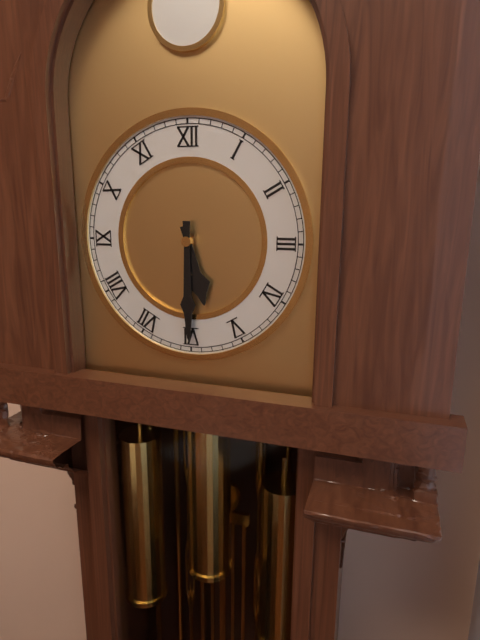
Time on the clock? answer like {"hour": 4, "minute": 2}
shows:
{"hour": 5, "minute": 30}
